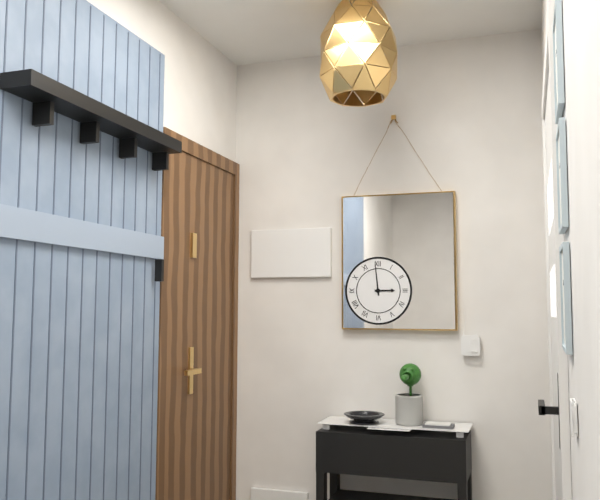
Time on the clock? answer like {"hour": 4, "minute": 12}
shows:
{"hour": 2, "minute": 59}
